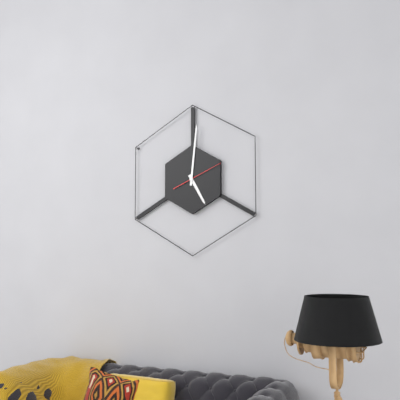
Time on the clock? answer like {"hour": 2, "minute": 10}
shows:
{"hour": 5, "minute": 1}
